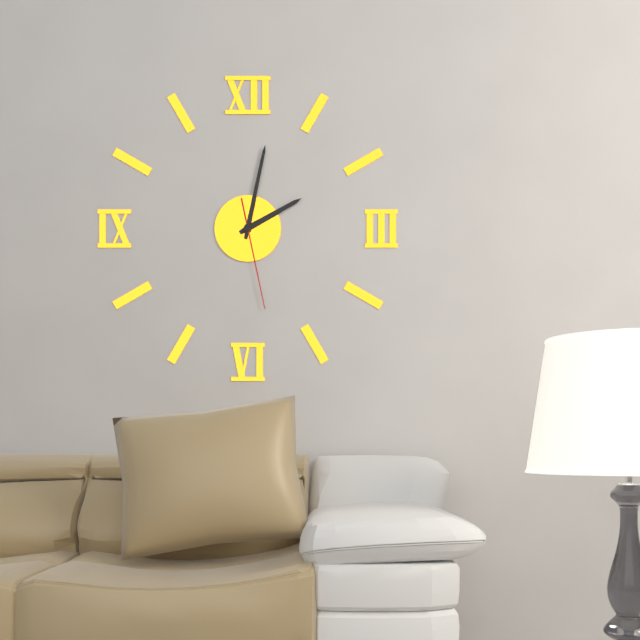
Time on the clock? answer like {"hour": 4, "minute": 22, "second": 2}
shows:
{"hour": 2, "minute": 2, "second": 28}
